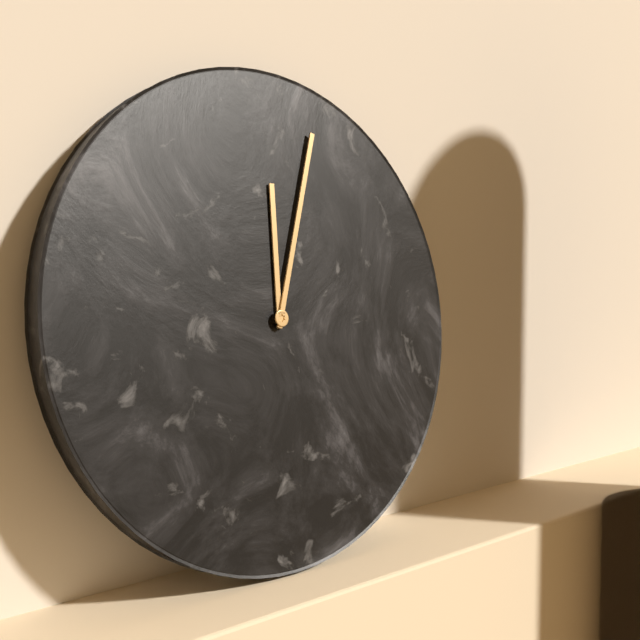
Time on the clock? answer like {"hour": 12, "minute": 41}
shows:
{"hour": 12, "minute": 3}
